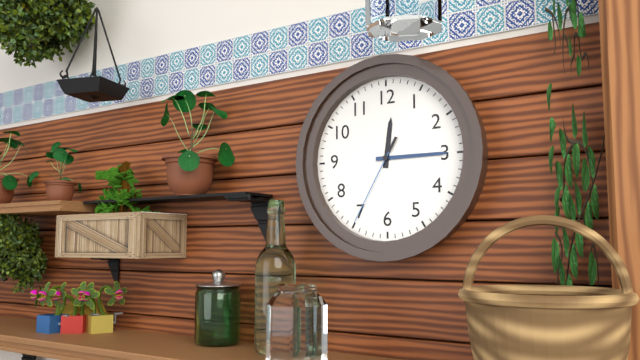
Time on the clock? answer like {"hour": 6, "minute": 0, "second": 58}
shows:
{"hour": 12, "minute": 15, "second": 35}
